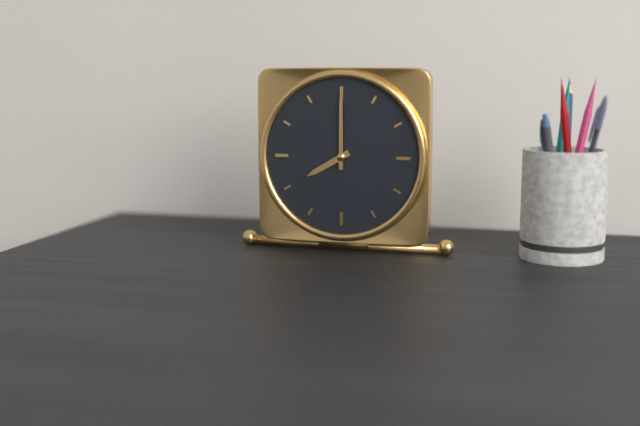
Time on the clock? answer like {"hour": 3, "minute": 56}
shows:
{"hour": 8, "minute": 0}
